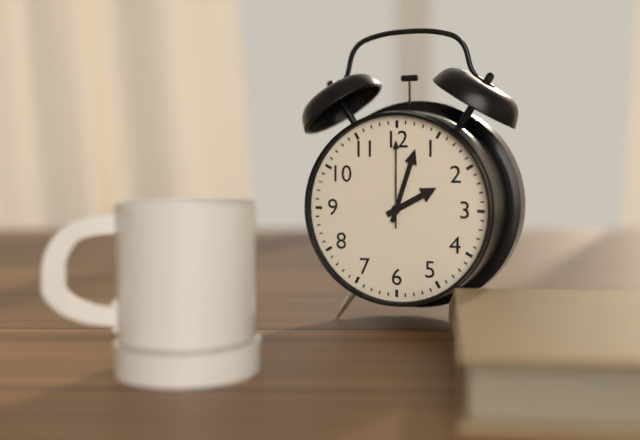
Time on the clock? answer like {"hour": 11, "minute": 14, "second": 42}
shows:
{"hour": 2, "minute": 3, "second": 0}
